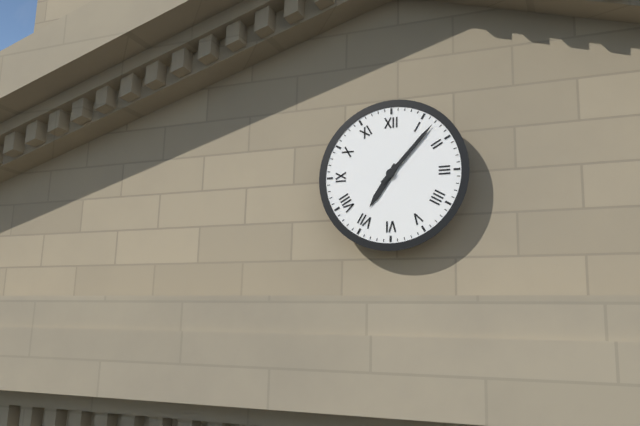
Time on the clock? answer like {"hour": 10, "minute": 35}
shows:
{"hour": 7, "minute": 7}
